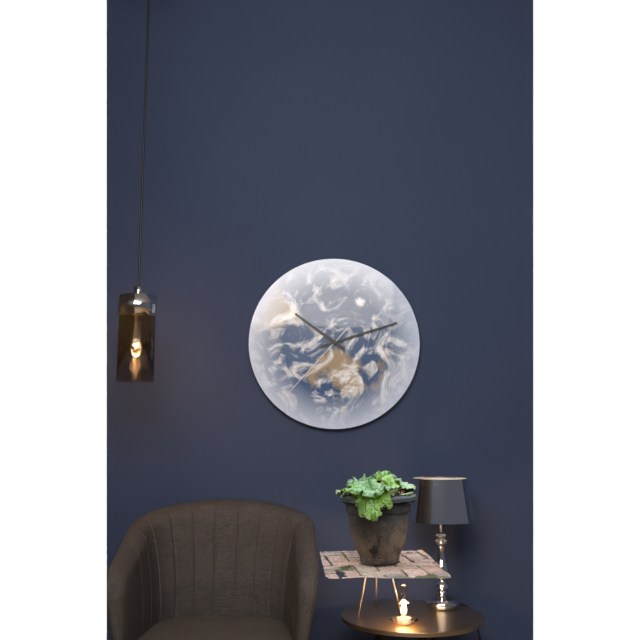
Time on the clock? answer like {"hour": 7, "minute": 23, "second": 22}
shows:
{"hour": 10, "minute": 12, "second": 37}
